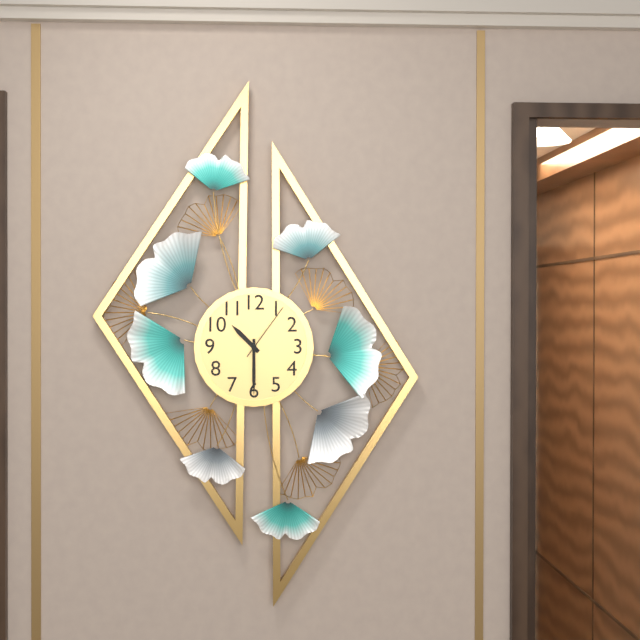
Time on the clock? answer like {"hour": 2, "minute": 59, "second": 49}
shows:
{"hour": 10, "minute": 30, "second": 6}
